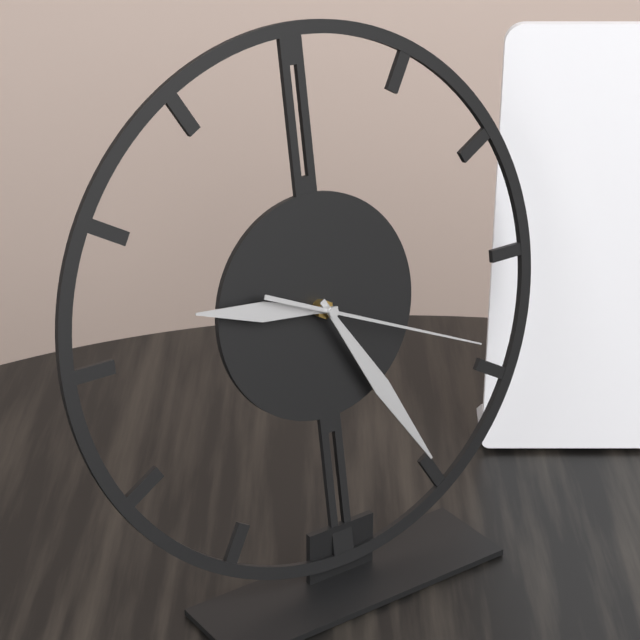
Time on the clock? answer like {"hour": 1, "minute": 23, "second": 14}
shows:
{"hour": 9, "minute": 25, "second": 19}
